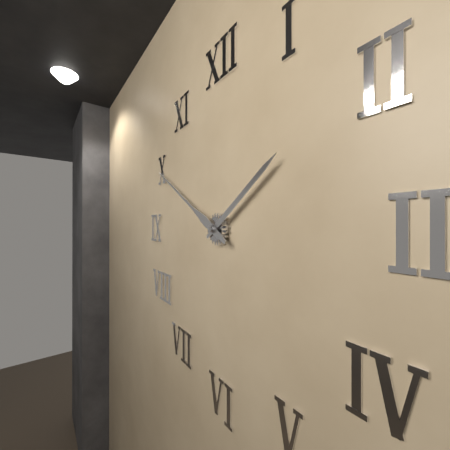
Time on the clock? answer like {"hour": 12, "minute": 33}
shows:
{"hour": 1, "minute": 50}
